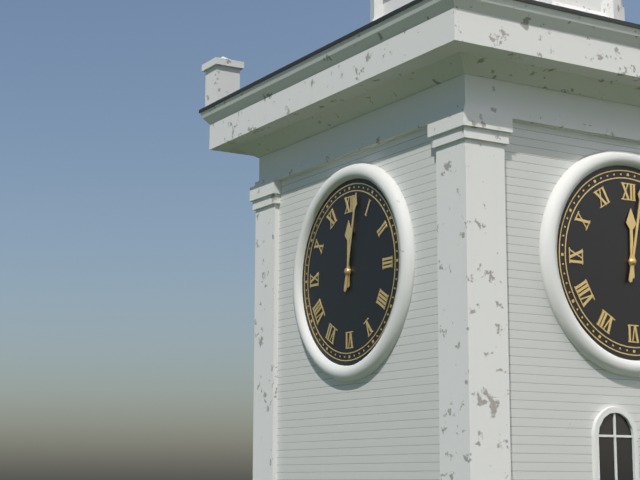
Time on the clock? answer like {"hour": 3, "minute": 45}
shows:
{"hour": 12, "minute": 2}
